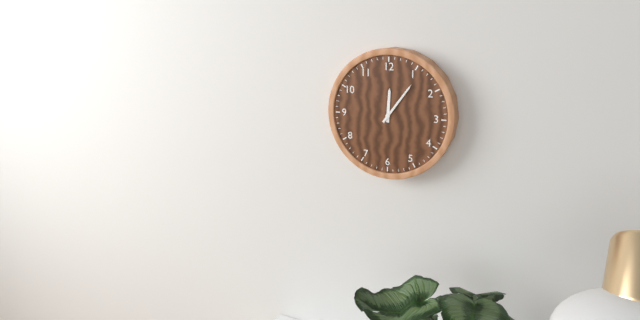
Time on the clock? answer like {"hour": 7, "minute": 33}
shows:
{"hour": 12, "minute": 6}
